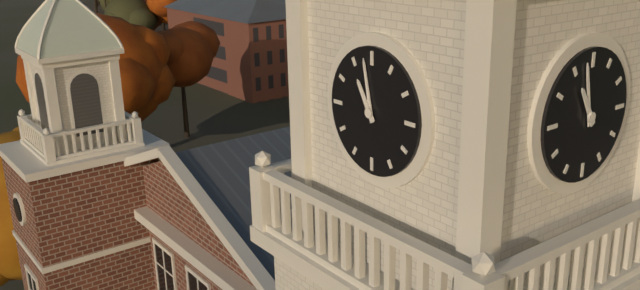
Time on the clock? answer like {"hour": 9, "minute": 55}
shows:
{"hour": 10, "minute": 58}
